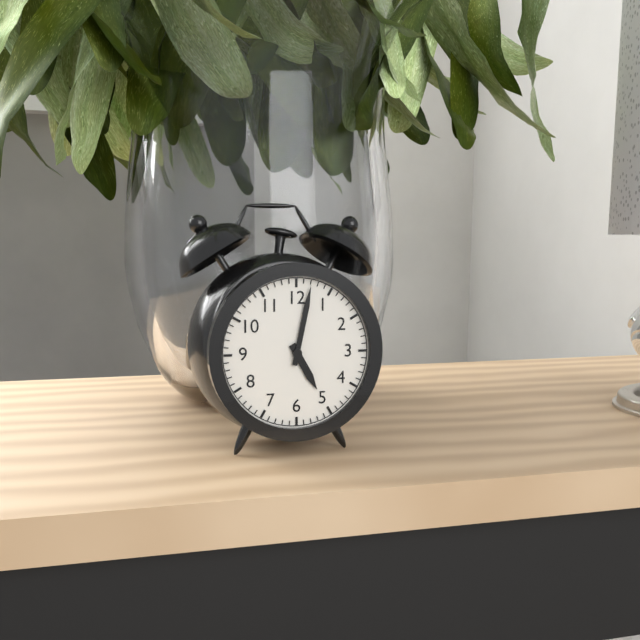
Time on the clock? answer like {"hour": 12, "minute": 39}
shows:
{"hour": 5, "minute": 2}
